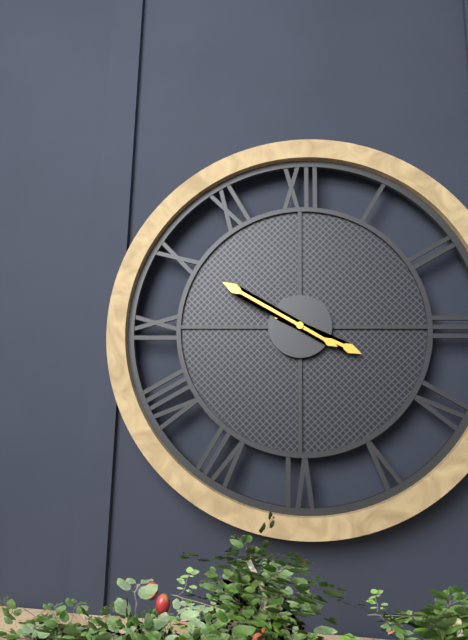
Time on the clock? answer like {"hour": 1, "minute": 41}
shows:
{"hour": 3, "minute": 50}
